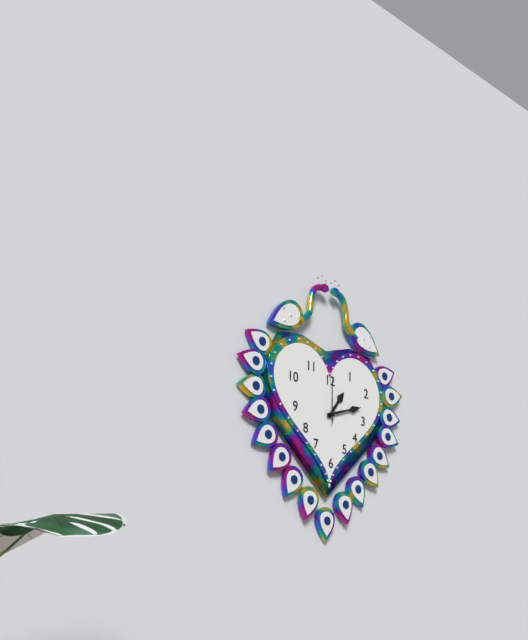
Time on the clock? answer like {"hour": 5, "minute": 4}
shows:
{"hour": 1, "minute": 12}
